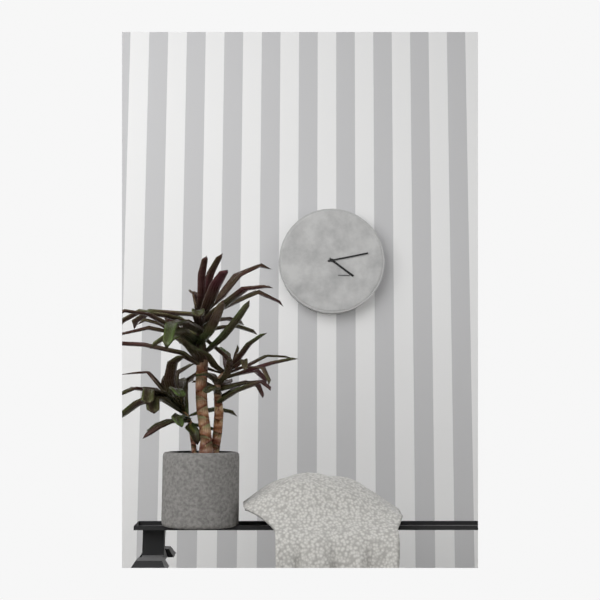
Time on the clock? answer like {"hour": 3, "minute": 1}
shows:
{"hour": 4, "minute": 13}
